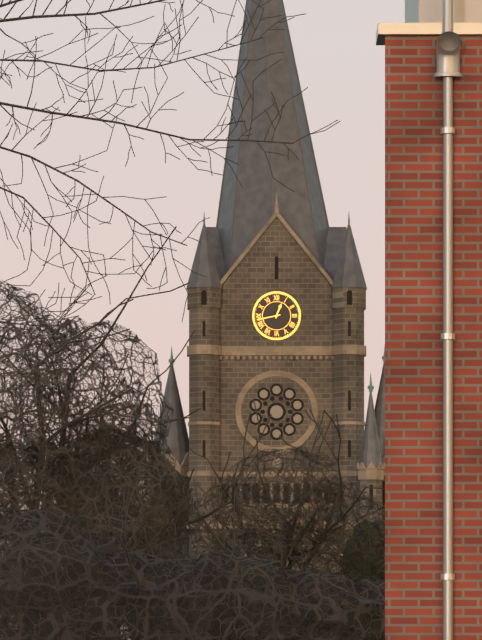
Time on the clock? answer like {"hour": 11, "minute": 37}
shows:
{"hour": 12, "minute": 43}
